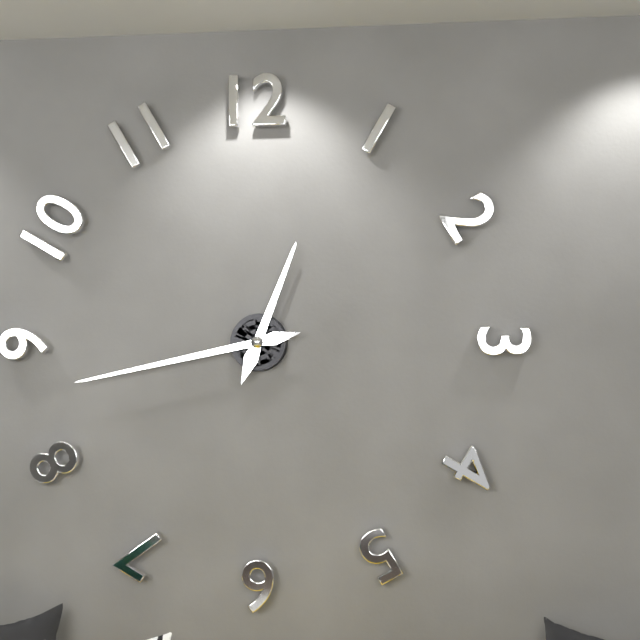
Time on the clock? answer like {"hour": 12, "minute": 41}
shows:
{"hour": 12, "minute": 43}
